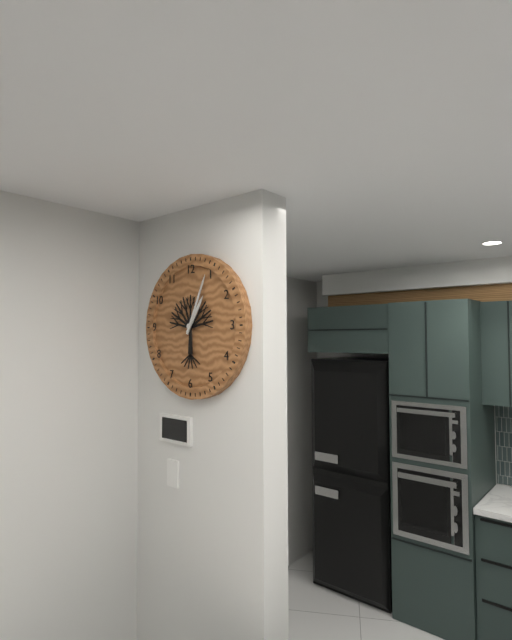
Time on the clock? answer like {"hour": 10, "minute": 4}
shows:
{"hour": 1, "minute": 4}
